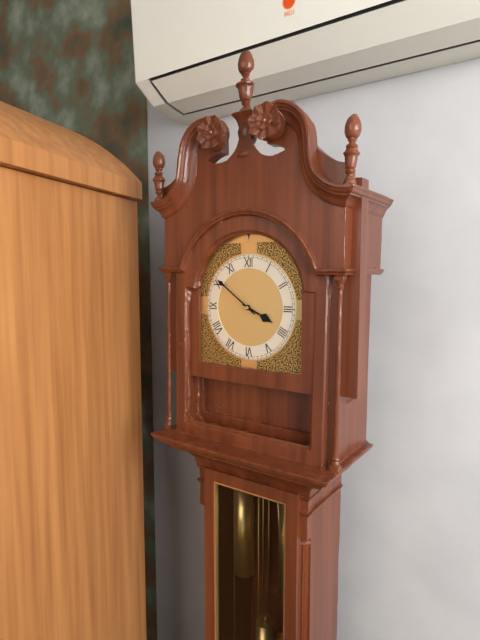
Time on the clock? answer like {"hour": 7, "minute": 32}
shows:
{"hour": 3, "minute": 51}
